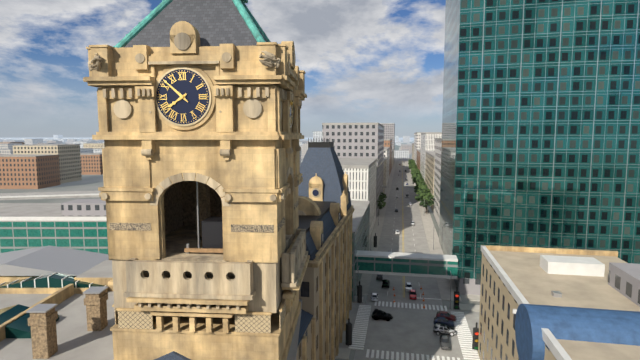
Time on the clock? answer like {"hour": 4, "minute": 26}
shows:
{"hour": 7, "minute": 52}
